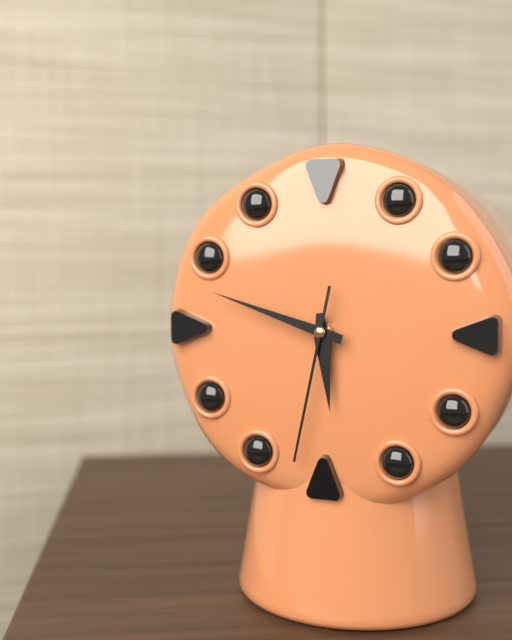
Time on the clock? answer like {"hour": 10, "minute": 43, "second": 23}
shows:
{"hour": 5, "minute": 48, "second": 32}
